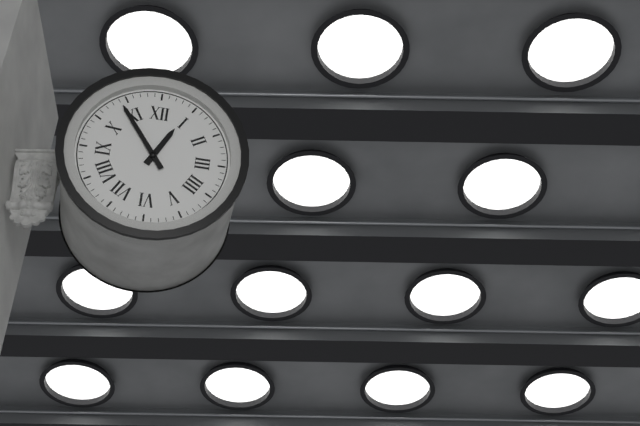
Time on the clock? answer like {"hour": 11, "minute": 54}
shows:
{"hour": 12, "minute": 54}
